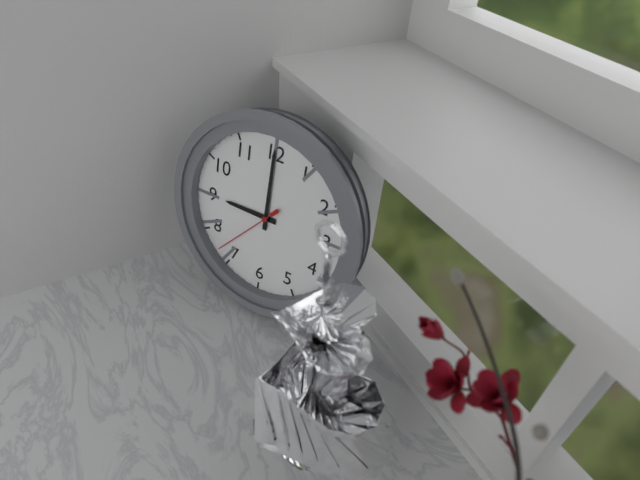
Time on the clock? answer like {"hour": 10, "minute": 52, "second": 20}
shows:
{"hour": 9, "minute": 0, "second": 37}
